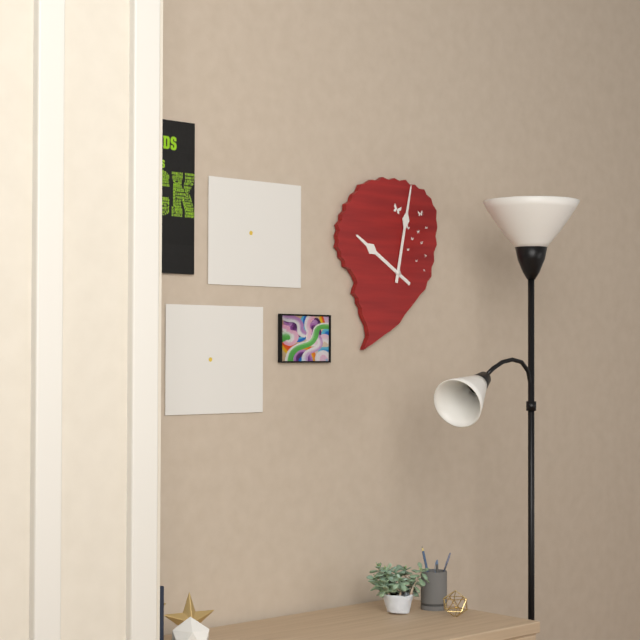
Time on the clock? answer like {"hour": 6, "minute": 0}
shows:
{"hour": 10, "minute": 2}
